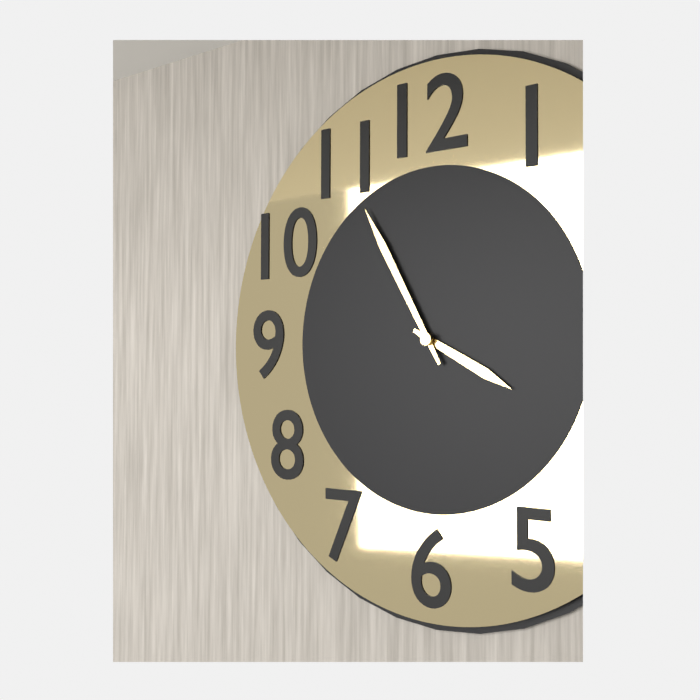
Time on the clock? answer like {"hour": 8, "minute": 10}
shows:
{"hour": 3, "minute": 55}
